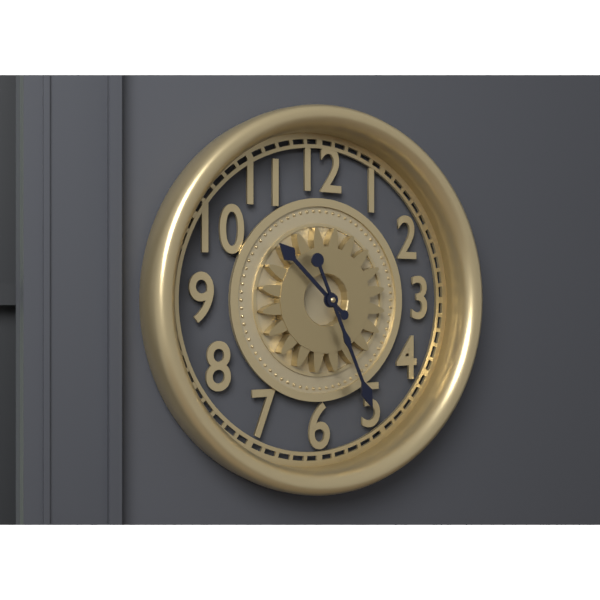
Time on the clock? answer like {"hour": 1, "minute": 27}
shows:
{"hour": 10, "minute": 26}
